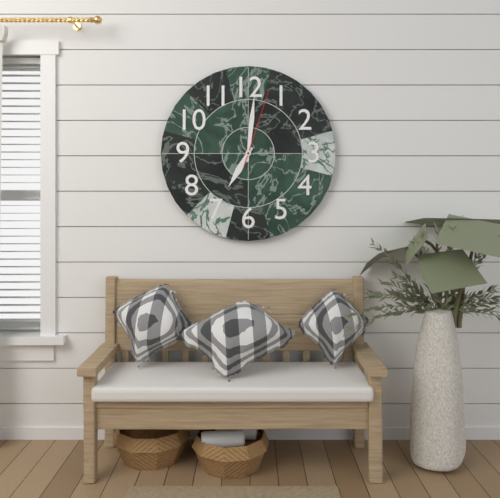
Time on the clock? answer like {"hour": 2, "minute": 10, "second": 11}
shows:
{"hour": 7, "minute": 1, "second": 3}
